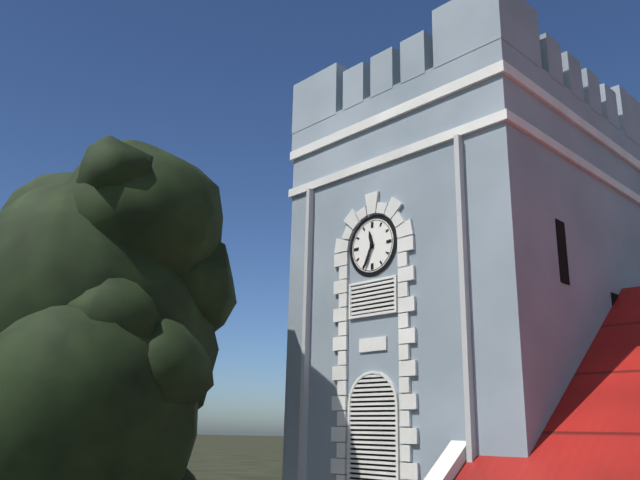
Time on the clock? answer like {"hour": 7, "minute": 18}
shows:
{"hour": 11, "minute": 34}
